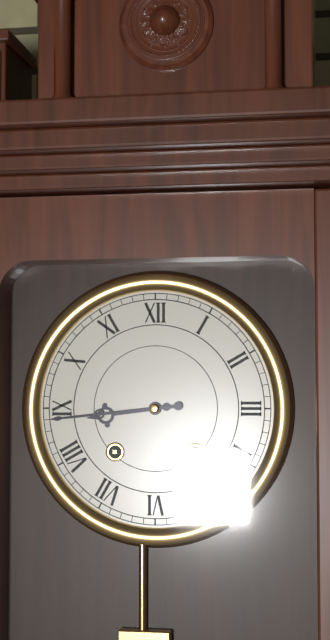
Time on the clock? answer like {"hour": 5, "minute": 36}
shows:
{"hour": 8, "minute": 44}
